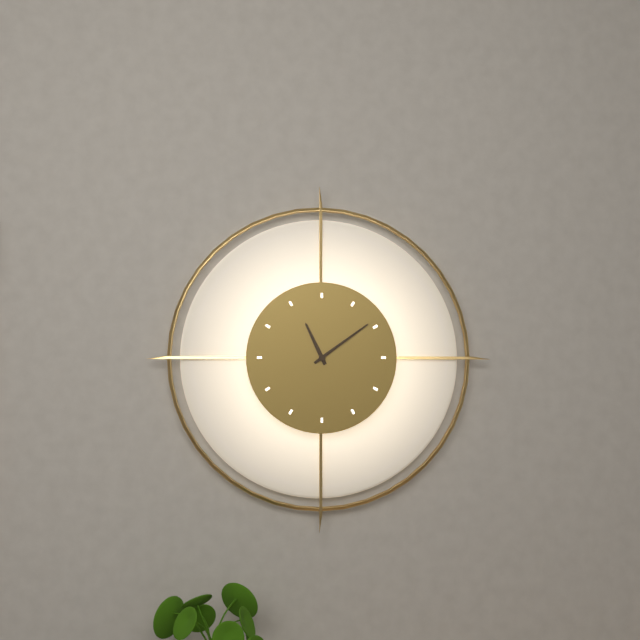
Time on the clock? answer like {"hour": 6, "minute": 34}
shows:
{"hour": 11, "minute": 9}
